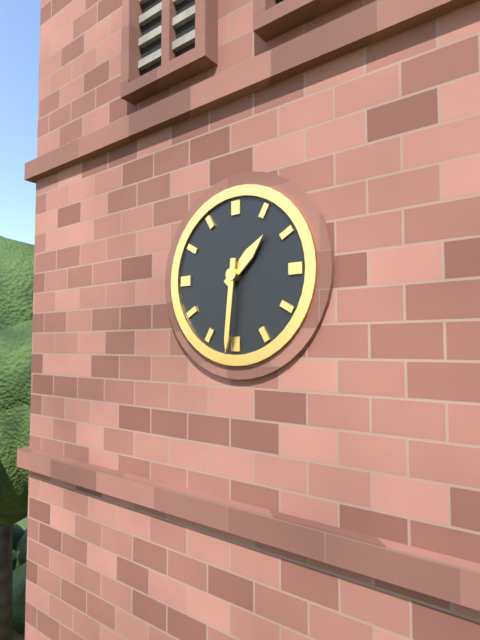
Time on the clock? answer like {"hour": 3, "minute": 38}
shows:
{"hour": 1, "minute": 31}
